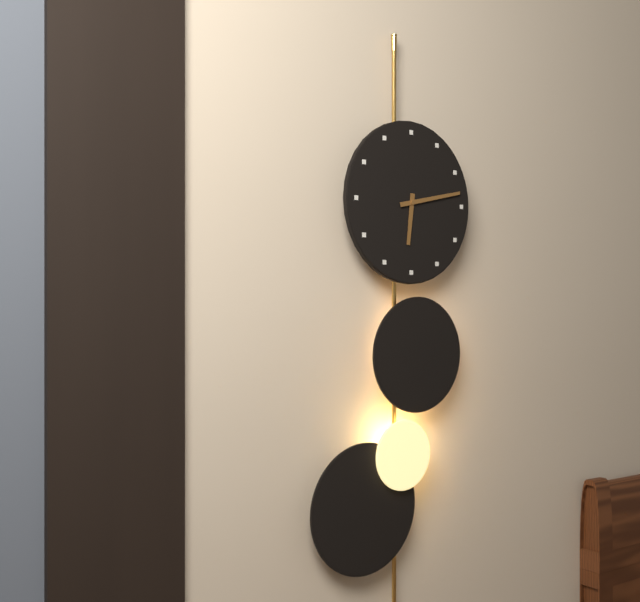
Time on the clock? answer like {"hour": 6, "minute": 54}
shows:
{"hour": 6, "minute": 13}
